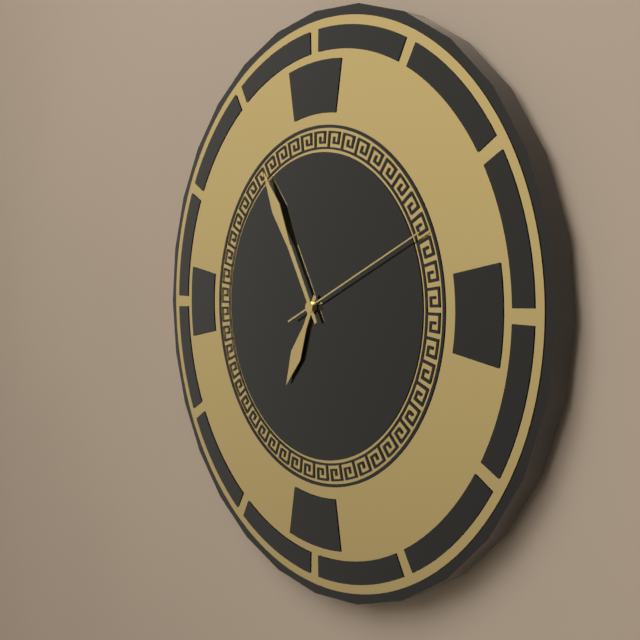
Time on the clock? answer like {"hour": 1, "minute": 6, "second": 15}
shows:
{"hour": 6, "minute": 55, "second": 11}
